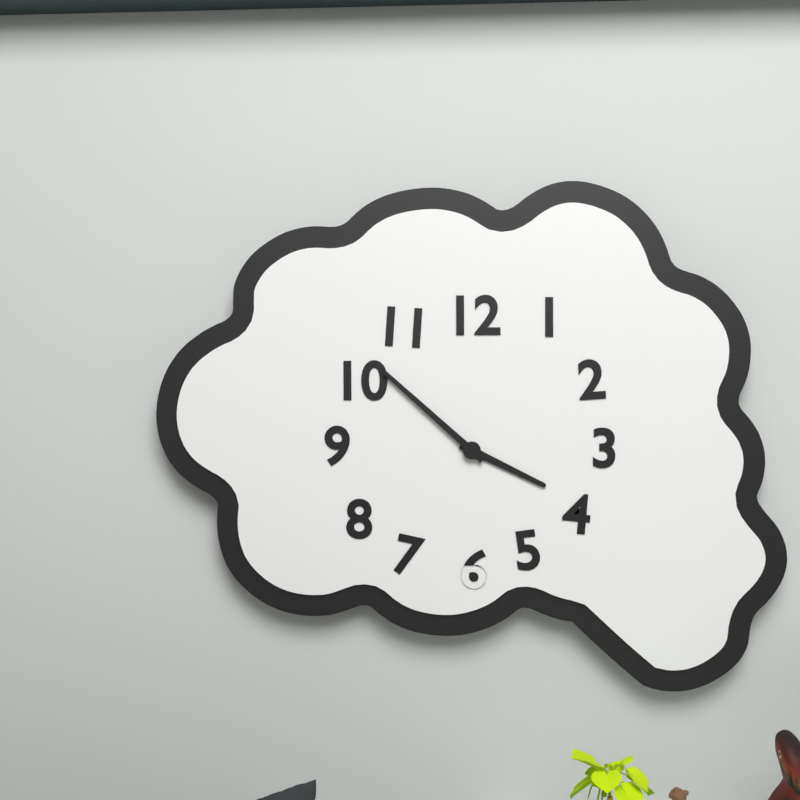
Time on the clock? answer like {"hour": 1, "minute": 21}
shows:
{"hour": 3, "minute": 52}
